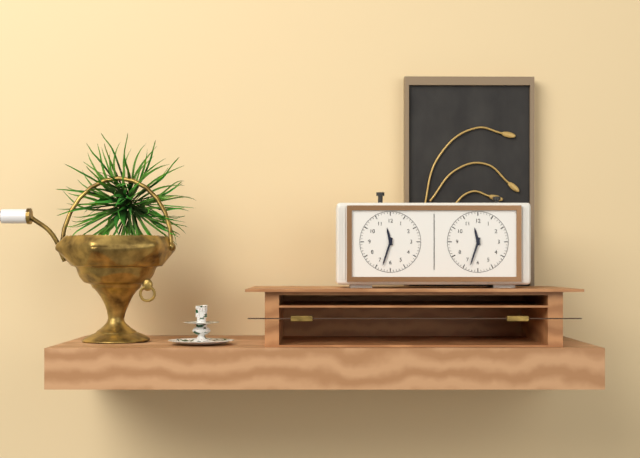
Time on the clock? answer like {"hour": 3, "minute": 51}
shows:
{"hour": 11, "minute": 33}
